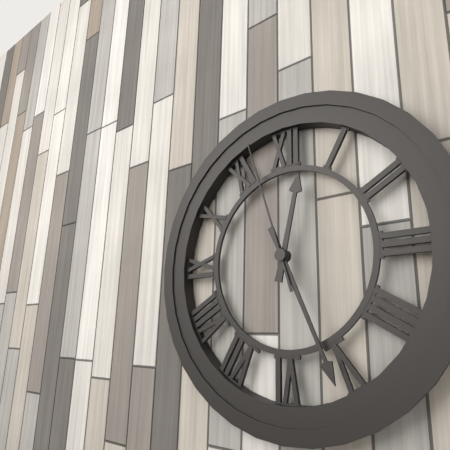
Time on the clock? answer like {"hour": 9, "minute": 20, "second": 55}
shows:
{"hour": 12, "minute": 26, "second": 57}
